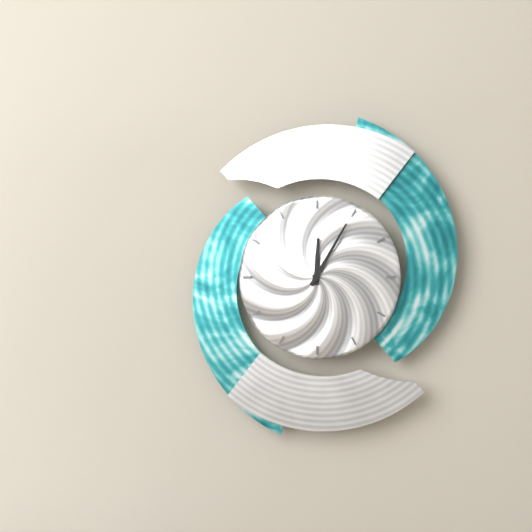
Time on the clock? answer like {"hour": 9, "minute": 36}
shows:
{"hour": 12, "minute": 5}
